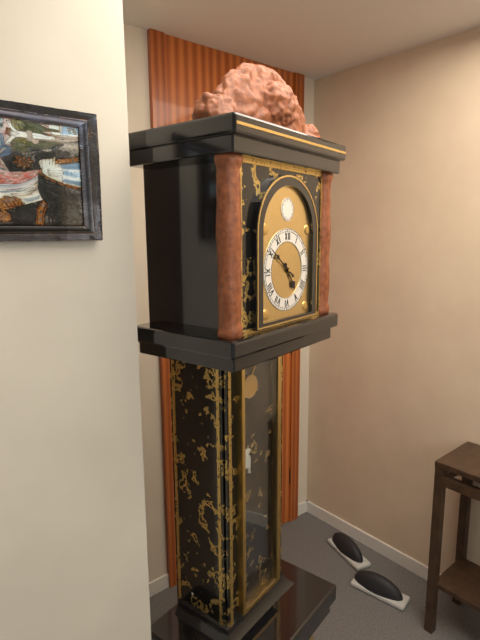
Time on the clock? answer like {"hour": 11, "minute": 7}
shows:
{"hour": 4, "minute": 51}
